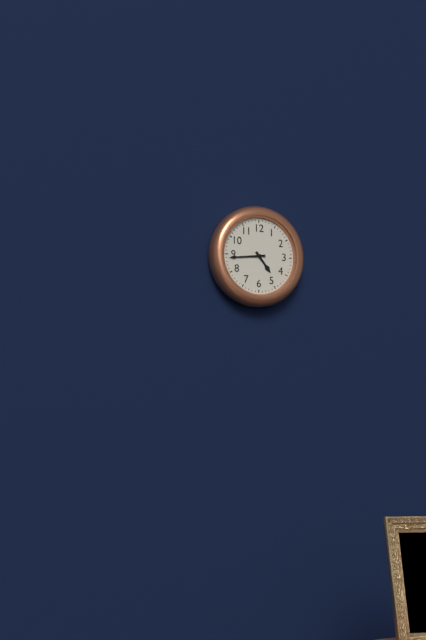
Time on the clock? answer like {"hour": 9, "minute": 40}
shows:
{"hour": 4, "minute": 44}
